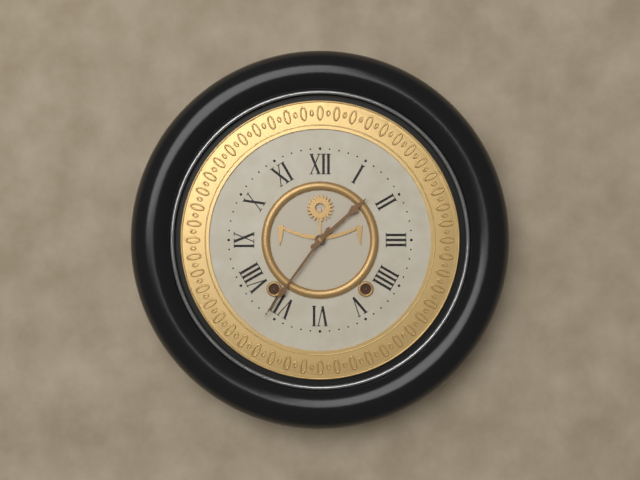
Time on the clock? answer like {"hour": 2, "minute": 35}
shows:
{"hour": 1, "minute": 36}
